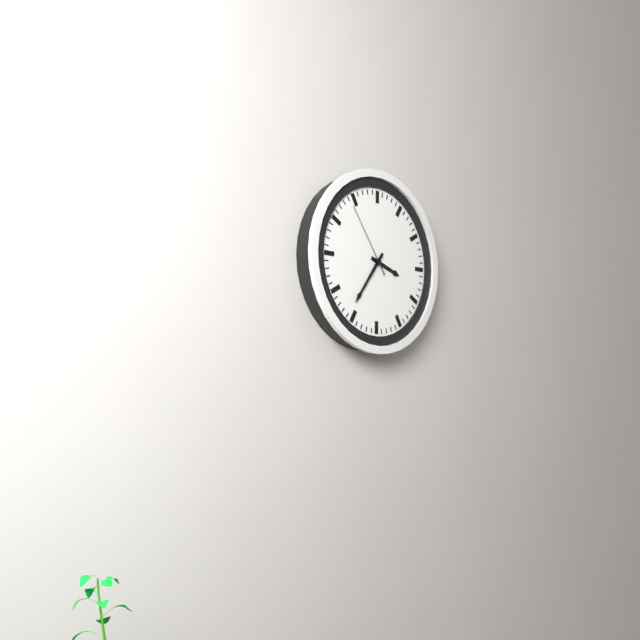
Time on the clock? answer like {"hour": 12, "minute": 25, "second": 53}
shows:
{"hour": 3, "minute": 36, "second": 54}
